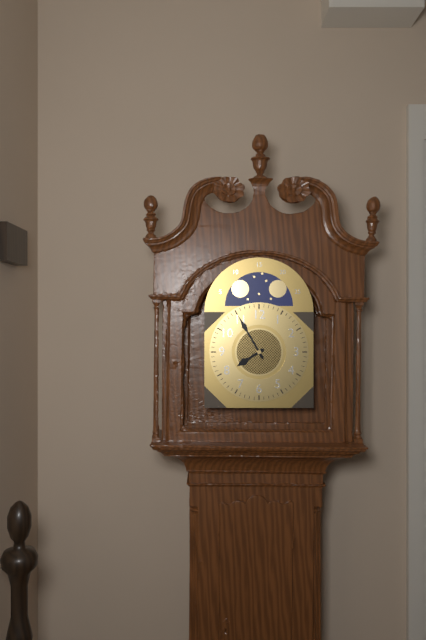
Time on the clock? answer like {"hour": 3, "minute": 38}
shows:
{"hour": 7, "minute": 55}
